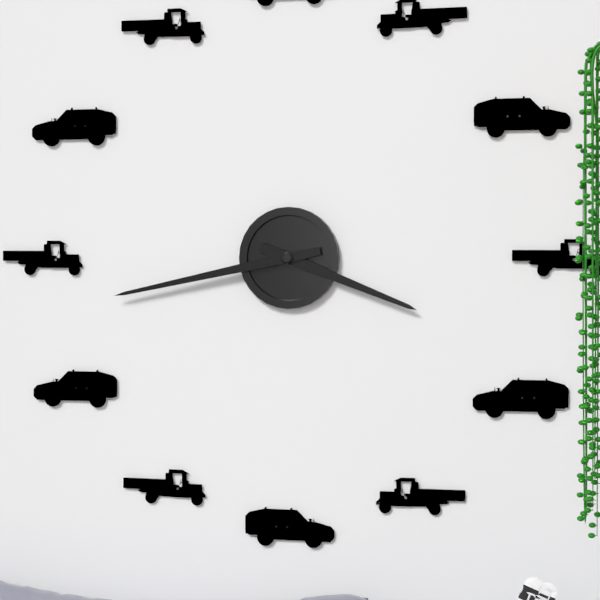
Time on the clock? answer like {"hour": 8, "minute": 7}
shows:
{"hour": 3, "minute": 43}
